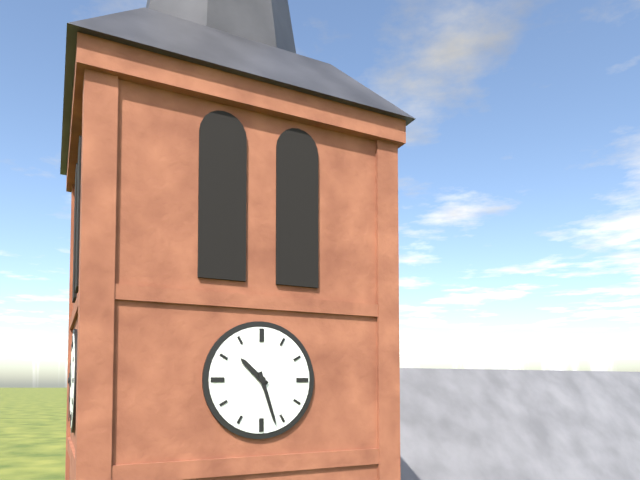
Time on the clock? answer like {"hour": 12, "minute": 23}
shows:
{"hour": 10, "minute": 27}
